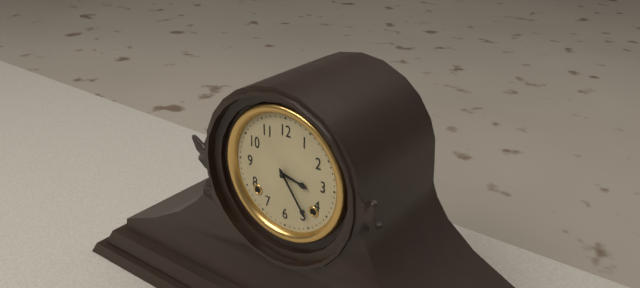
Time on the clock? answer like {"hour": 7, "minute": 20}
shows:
{"hour": 3, "minute": 24}
